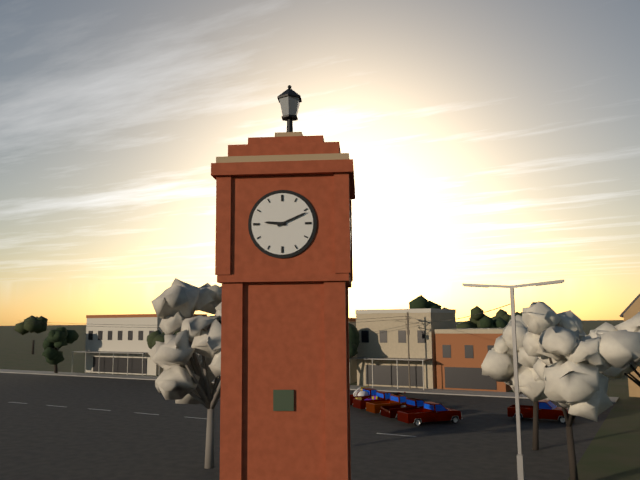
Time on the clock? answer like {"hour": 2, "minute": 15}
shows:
{"hour": 9, "minute": 11}
